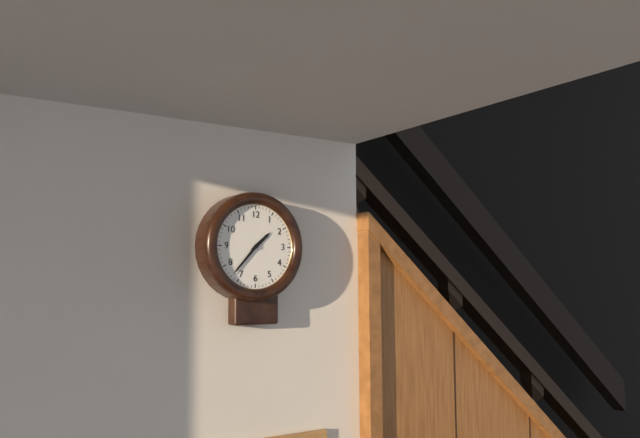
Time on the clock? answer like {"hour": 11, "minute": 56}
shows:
{"hour": 1, "minute": 37}
